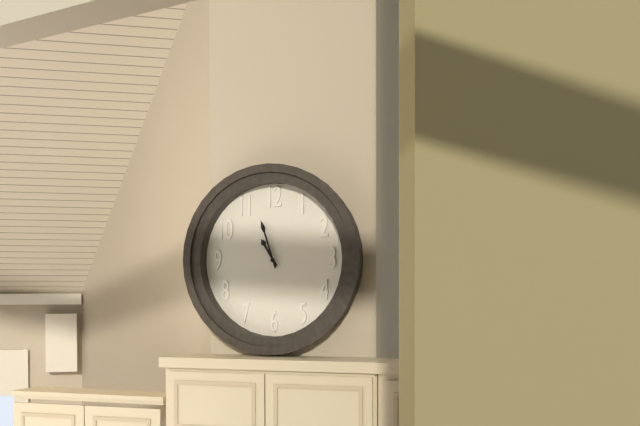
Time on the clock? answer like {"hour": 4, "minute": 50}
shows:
{"hour": 10, "minute": 57}
